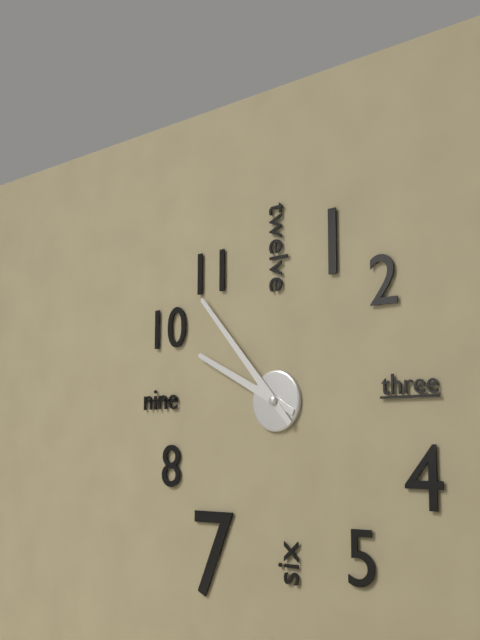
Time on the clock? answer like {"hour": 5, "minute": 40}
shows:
{"hour": 9, "minute": 53}
